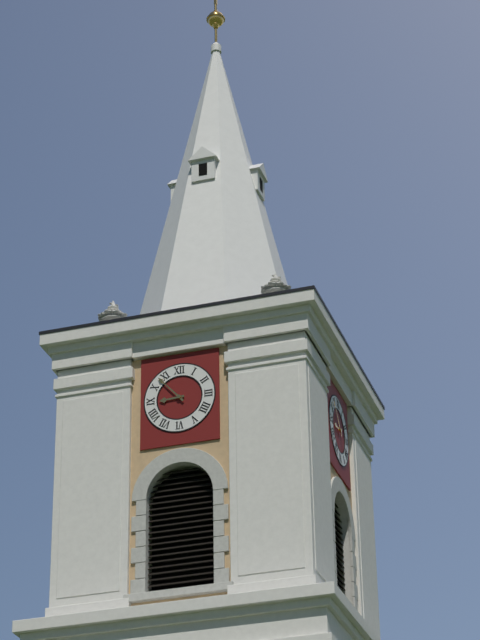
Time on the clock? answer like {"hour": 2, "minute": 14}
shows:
{"hour": 8, "minute": 53}
